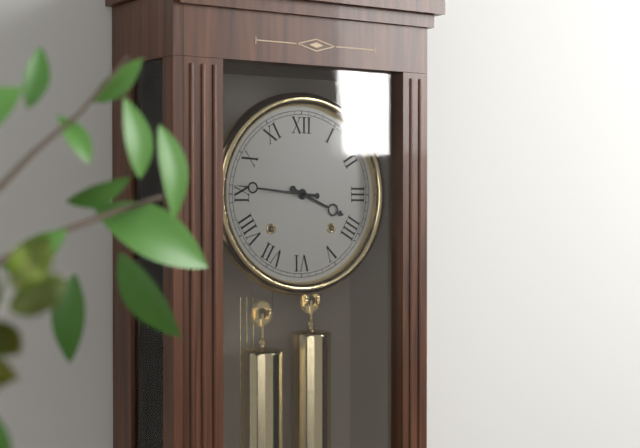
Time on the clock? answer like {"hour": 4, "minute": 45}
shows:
{"hour": 3, "minute": 46}
